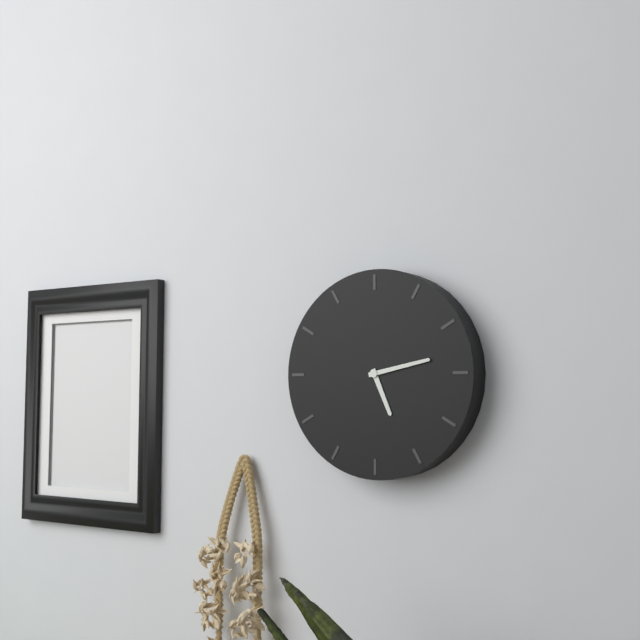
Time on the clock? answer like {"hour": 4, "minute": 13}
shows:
{"hour": 5, "minute": 13}
